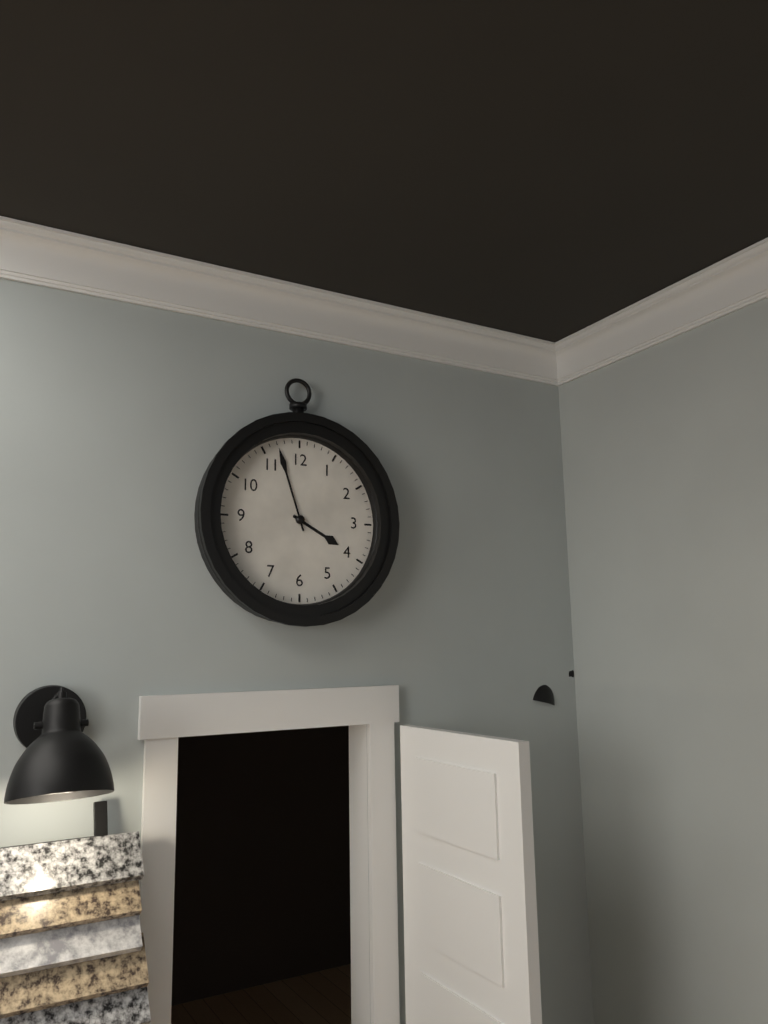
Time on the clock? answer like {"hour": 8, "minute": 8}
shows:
{"hour": 3, "minute": 57}
